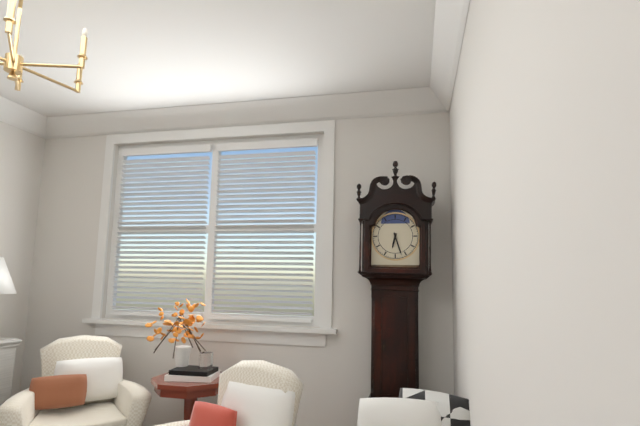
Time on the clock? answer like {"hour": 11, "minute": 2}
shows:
{"hour": 6, "minute": 27}
